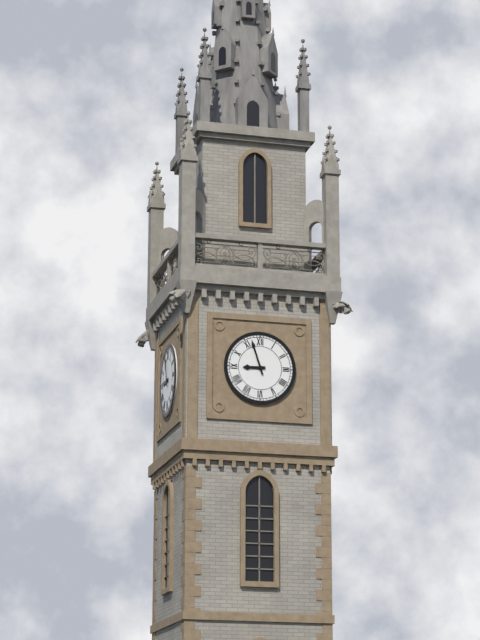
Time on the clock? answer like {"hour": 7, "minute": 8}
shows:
{"hour": 8, "minute": 57}
